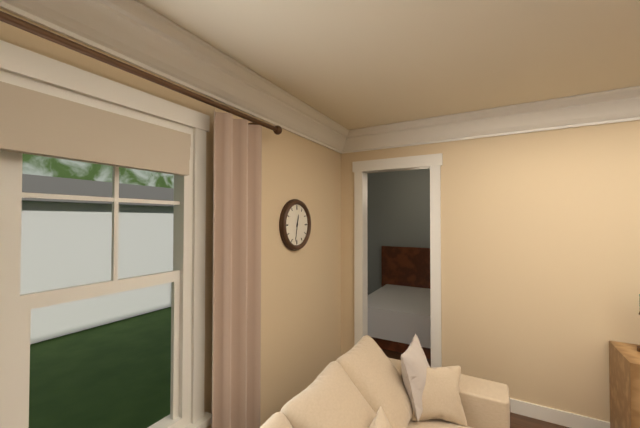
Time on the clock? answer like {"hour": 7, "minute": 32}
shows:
{"hour": 12, "minute": 32}
